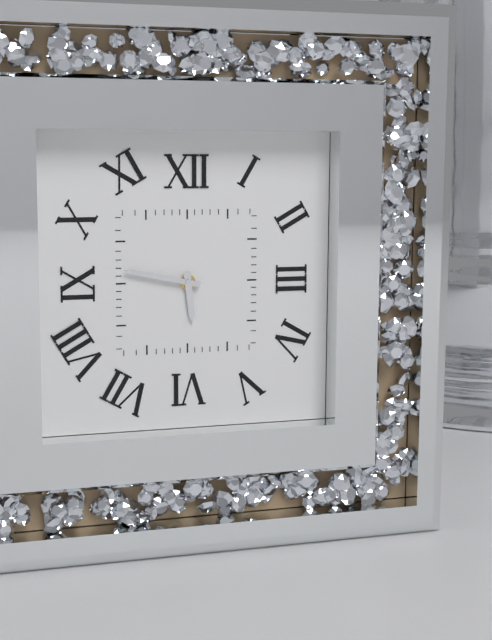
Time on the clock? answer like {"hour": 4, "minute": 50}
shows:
{"hour": 5, "minute": 47}
